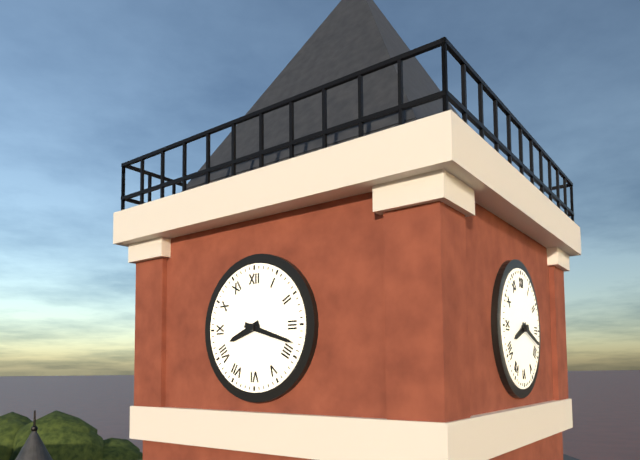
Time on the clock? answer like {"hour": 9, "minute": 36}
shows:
{"hour": 8, "minute": 18}
